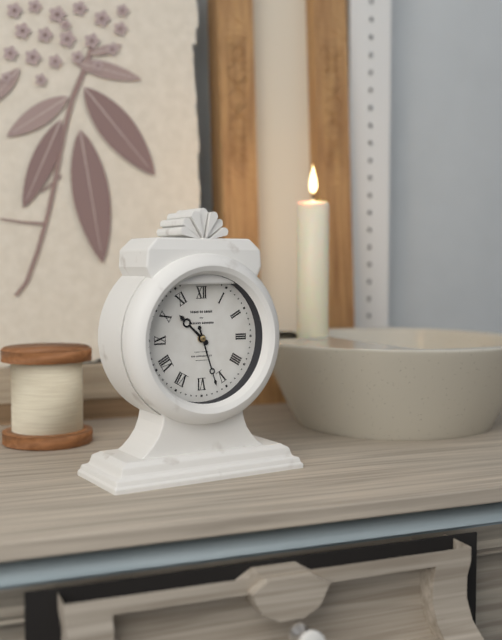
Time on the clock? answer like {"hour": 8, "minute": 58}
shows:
{"hour": 10, "minute": 27}
